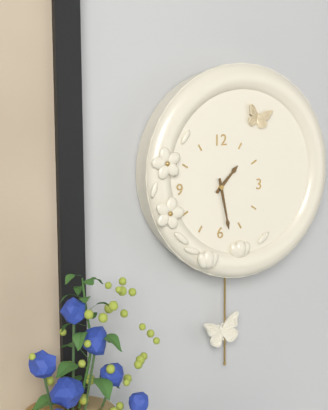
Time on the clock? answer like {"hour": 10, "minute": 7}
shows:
{"hour": 1, "minute": 28}
